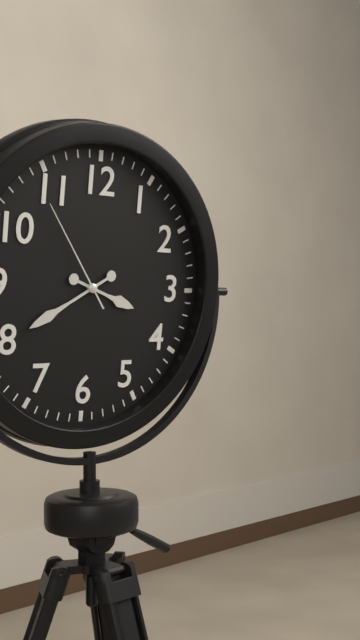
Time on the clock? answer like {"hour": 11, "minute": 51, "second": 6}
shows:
{"hour": 3, "minute": 40, "second": 54}
